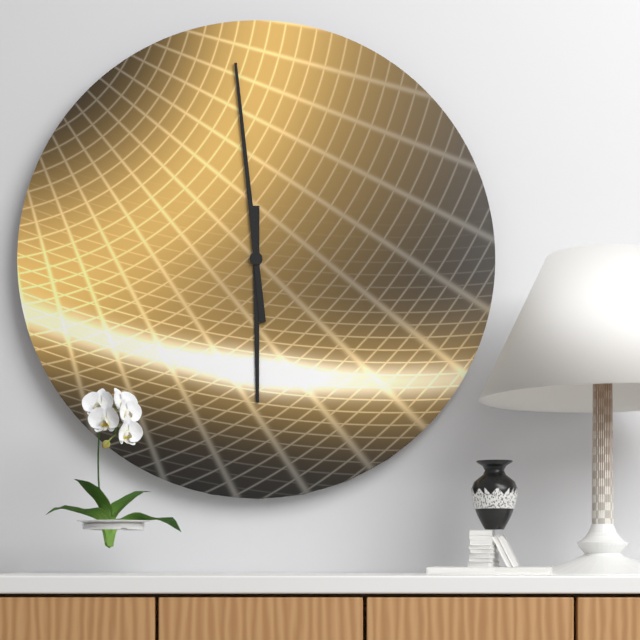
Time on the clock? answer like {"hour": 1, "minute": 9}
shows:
{"hour": 5, "minute": 59}
